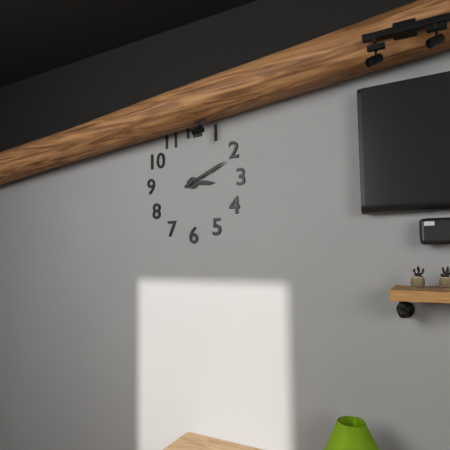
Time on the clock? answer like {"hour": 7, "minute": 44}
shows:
{"hour": 3, "minute": 11}
